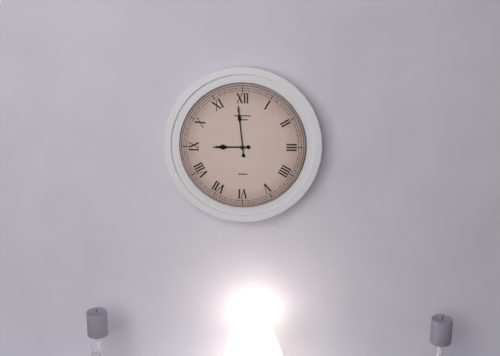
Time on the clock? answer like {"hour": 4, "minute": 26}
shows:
{"hour": 8, "minute": 59}
